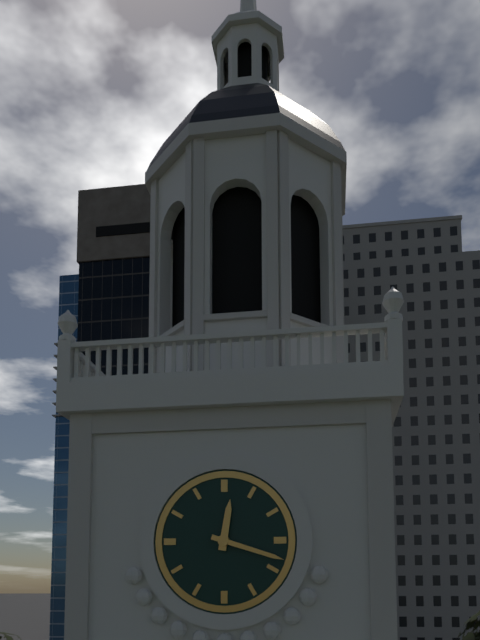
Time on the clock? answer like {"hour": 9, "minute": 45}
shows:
{"hour": 12, "minute": 18}
